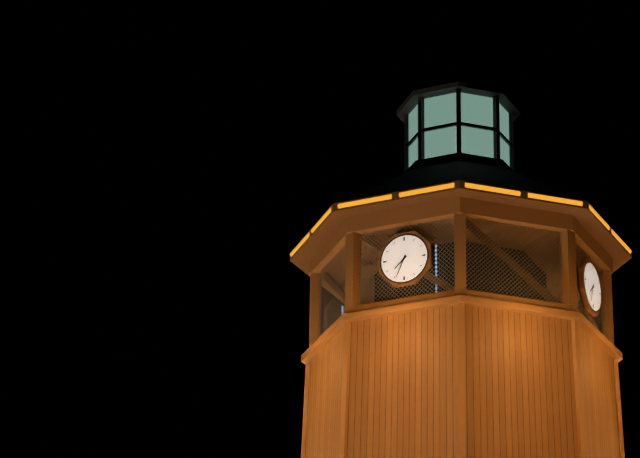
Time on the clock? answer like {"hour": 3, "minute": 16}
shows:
{"hour": 7, "minute": 34}
